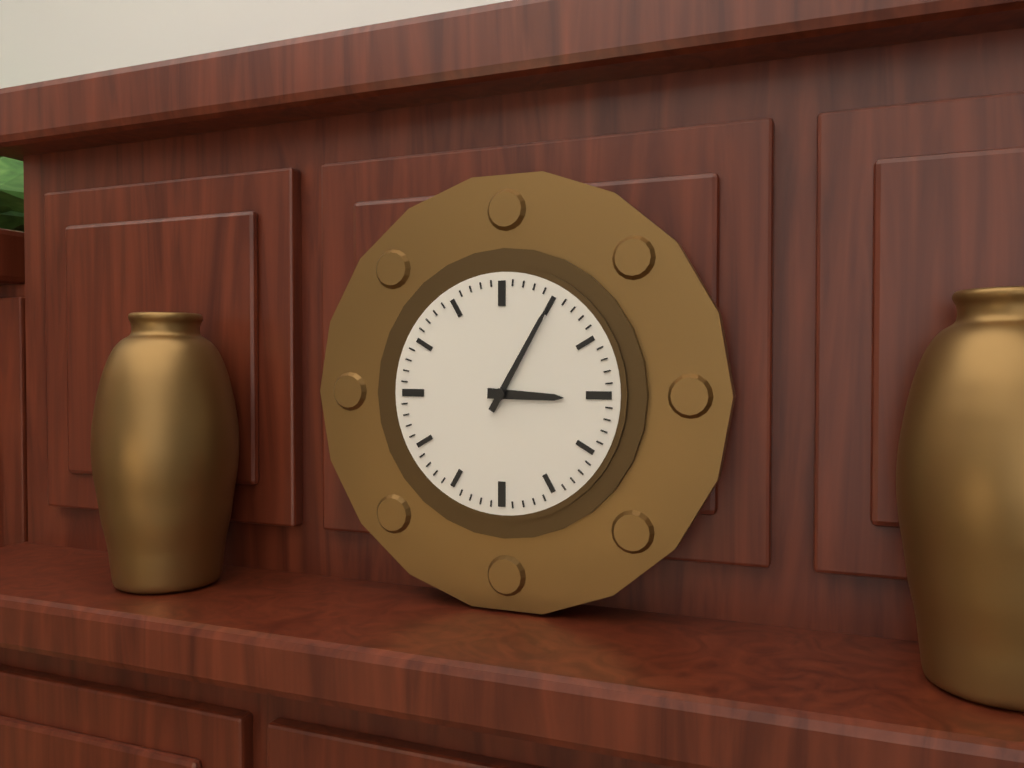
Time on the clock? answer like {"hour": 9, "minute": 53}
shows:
{"hour": 3, "minute": 5}
